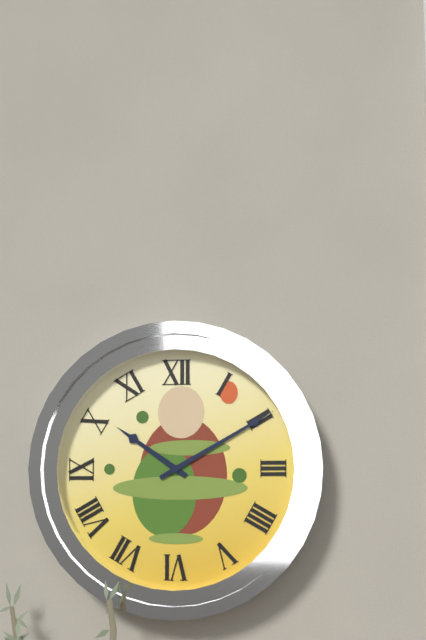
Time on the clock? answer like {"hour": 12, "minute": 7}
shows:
{"hour": 10, "minute": 10}
